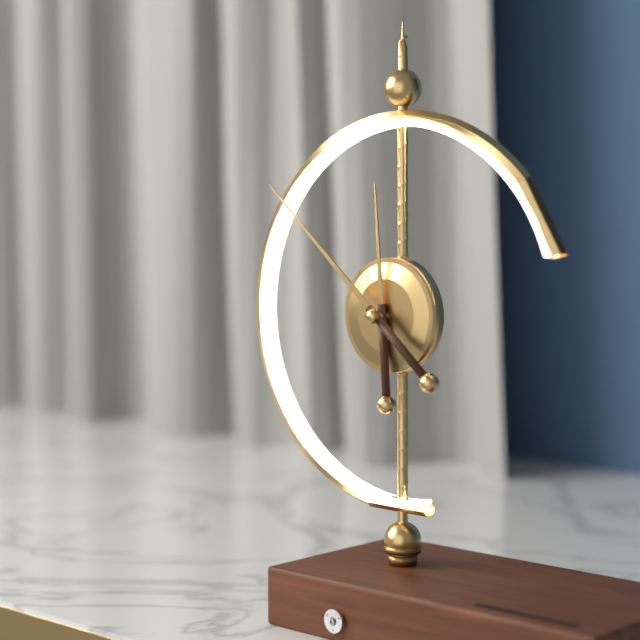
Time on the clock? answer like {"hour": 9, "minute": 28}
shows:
{"hour": 11, "minute": 52}
